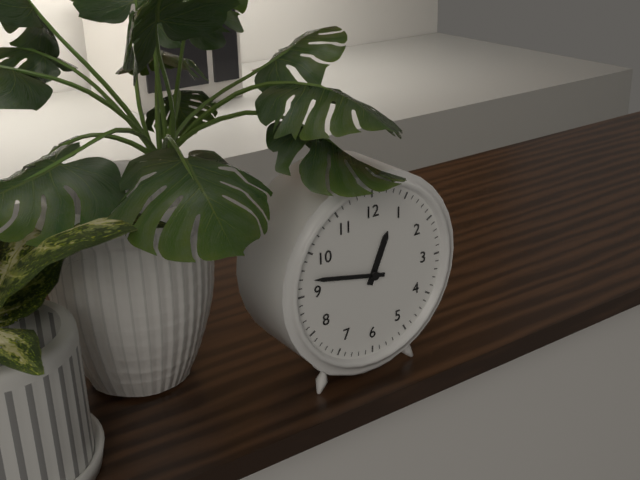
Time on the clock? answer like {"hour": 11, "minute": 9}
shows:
{"hour": 12, "minute": 47}
